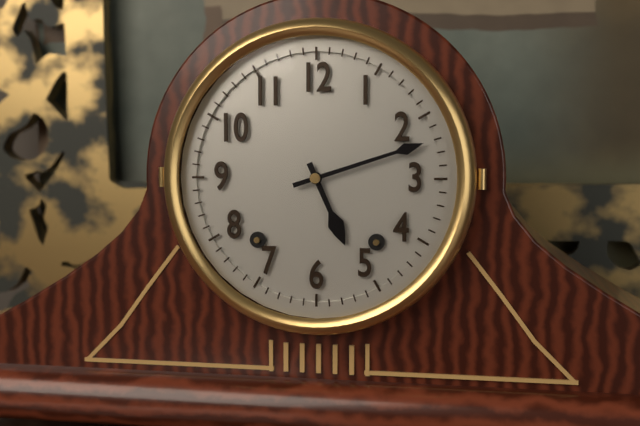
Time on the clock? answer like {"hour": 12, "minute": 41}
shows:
{"hour": 5, "minute": 12}
